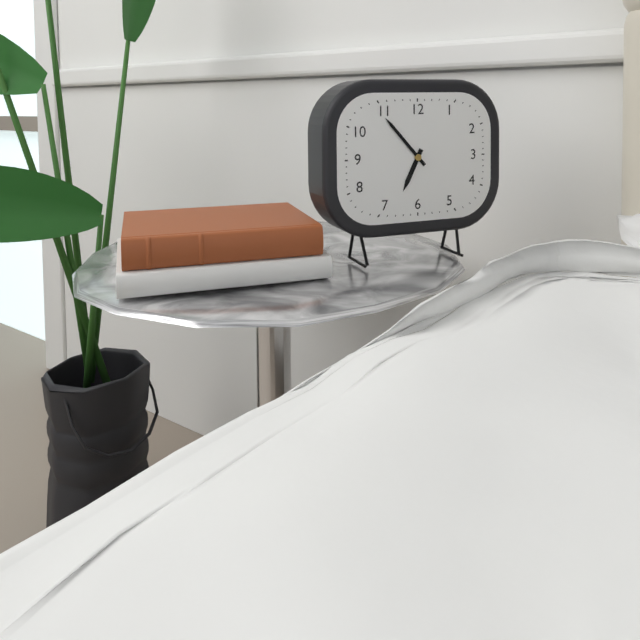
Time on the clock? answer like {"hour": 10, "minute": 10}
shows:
{"hour": 6, "minute": 53}
